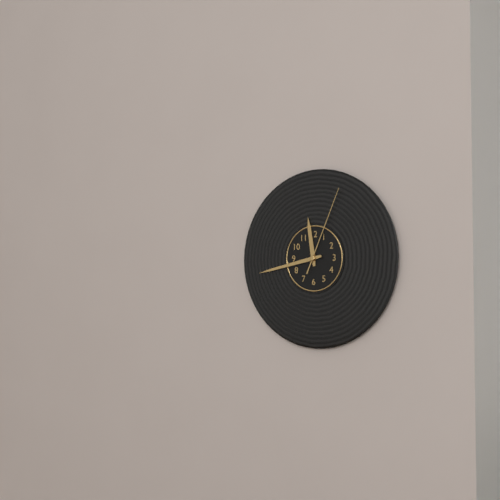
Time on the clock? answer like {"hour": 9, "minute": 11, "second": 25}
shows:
{"hour": 11, "minute": 43, "second": 4}
